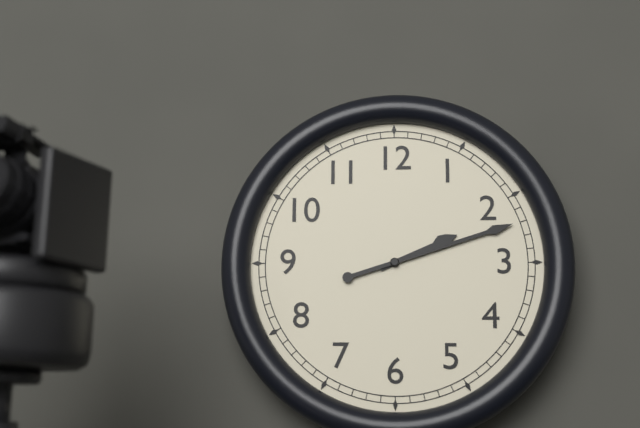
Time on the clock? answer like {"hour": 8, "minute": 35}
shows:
{"hour": 2, "minute": 12}
